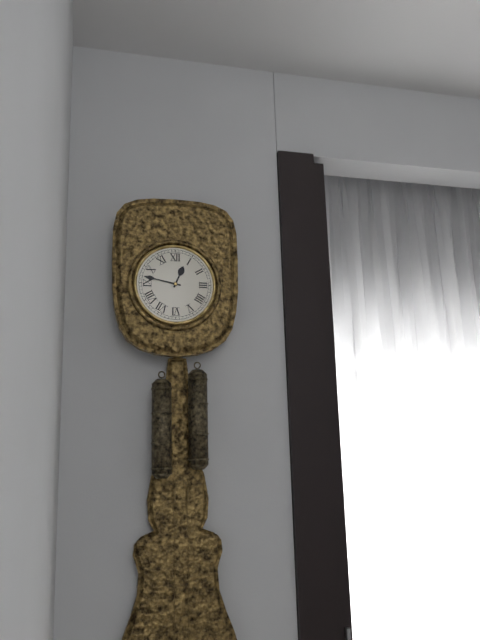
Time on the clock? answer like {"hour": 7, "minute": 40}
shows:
{"hour": 12, "minute": 47}
